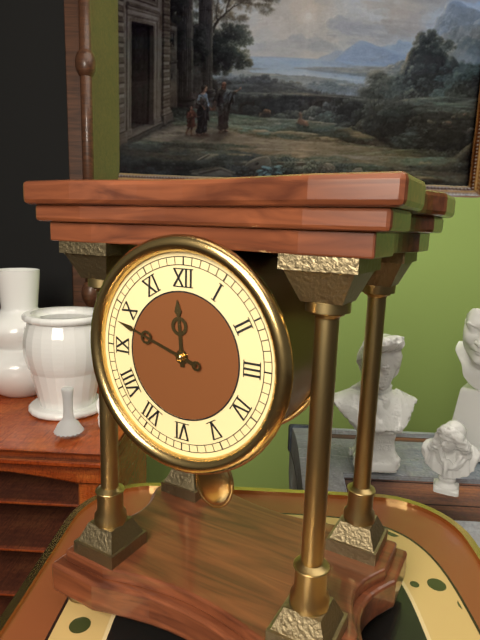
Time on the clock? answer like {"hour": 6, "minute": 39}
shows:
{"hour": 11, "minute": 48}
